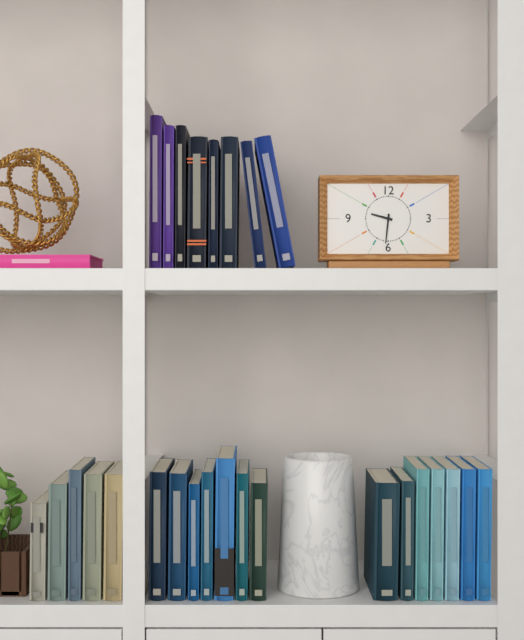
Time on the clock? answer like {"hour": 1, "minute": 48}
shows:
{"hour": 9, "minute": 31}
